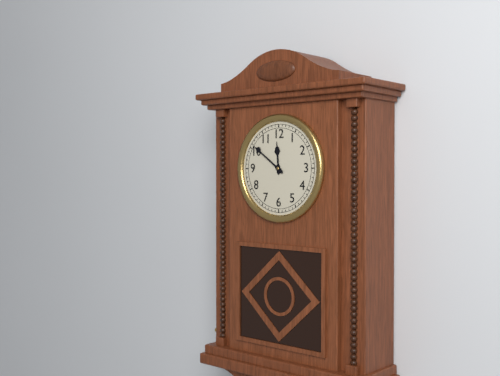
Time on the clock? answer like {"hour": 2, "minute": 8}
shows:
{"hour": 11, "minute": 51}
